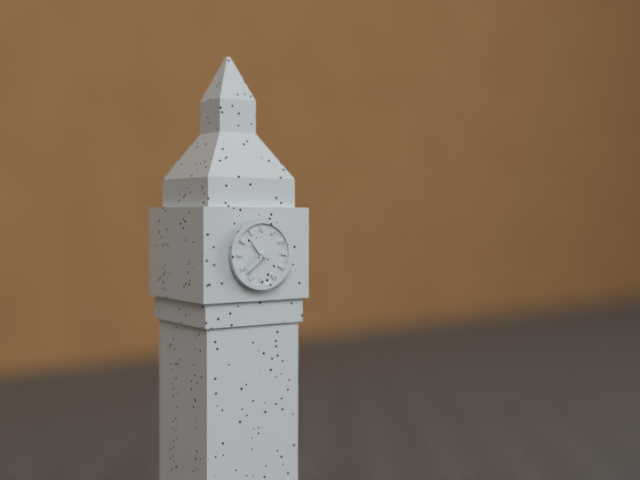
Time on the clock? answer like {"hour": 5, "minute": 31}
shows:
{"hour": 10, "minute": 38}
